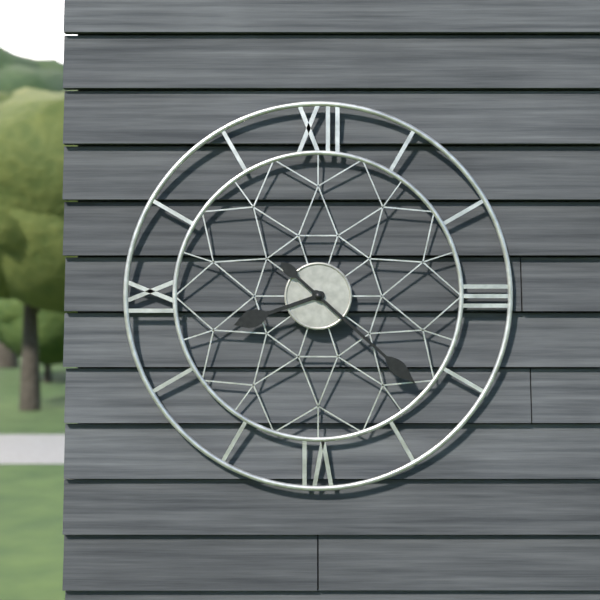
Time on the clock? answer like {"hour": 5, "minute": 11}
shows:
{"hour": 8, "minute": 22}
